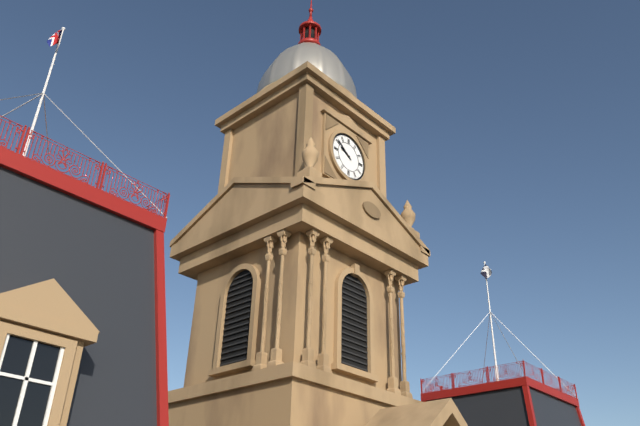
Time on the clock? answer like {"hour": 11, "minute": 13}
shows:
{"hour": 9, "minute": 51}
